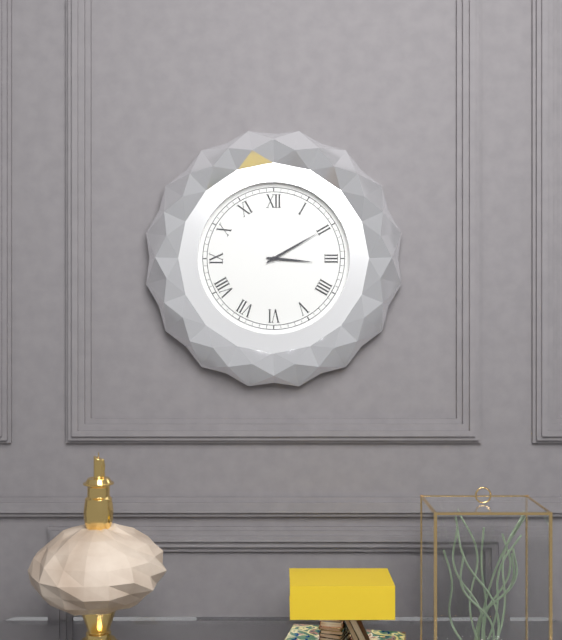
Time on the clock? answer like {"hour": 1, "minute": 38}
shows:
{"hour": 3, "minute": 10}
